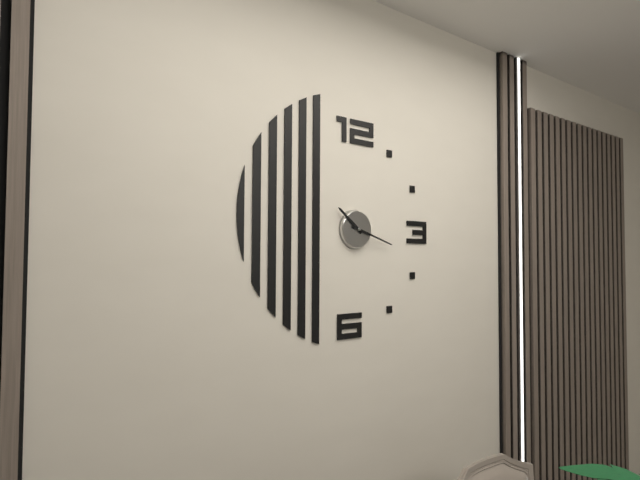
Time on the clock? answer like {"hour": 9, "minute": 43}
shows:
{"hour": 10, "minute": 18}
